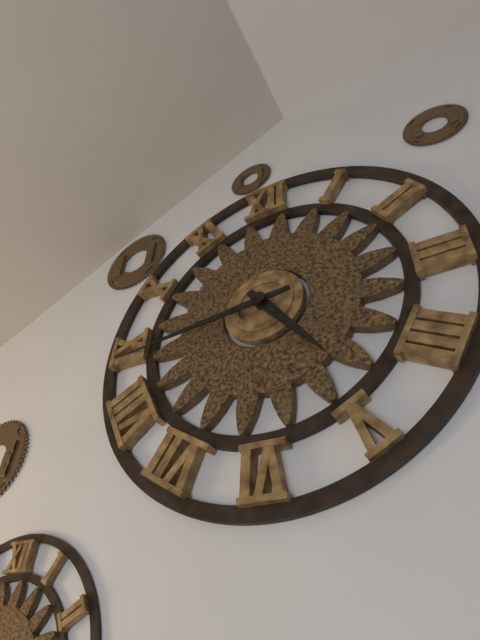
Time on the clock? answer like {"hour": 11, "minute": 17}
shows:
{"hour": 4, "minute": 44}
